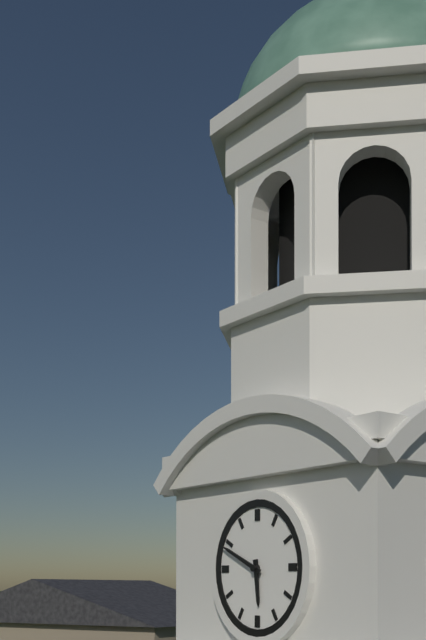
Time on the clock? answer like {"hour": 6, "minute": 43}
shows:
{"hour": 5, "minute": 49}
